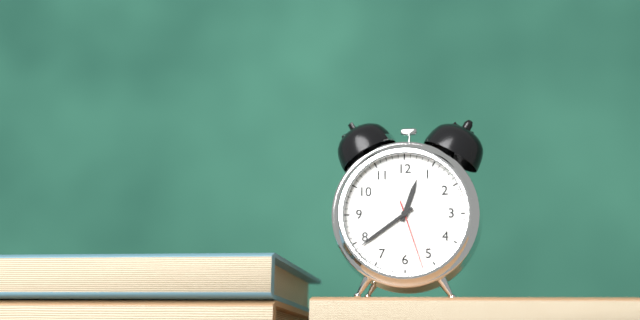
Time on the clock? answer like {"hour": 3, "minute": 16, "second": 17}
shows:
{"hour": 12, "minute": 39, "second": 27}
